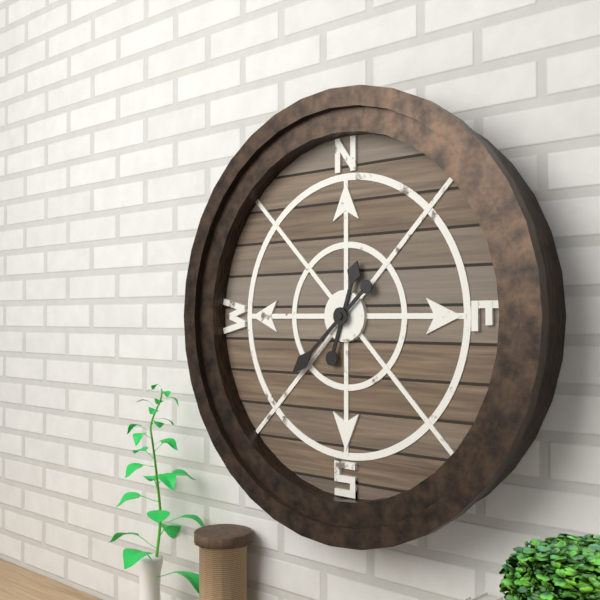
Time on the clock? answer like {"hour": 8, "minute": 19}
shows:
{"hour": 12, "minute": 38}
